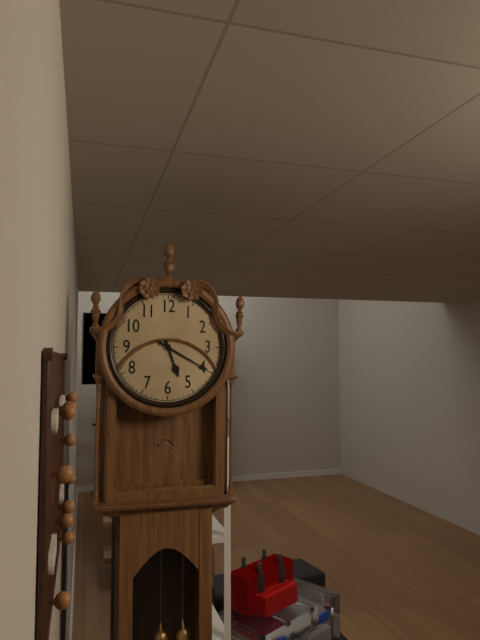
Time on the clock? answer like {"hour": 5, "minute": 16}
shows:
{"hour": 5, "minute": 20}
